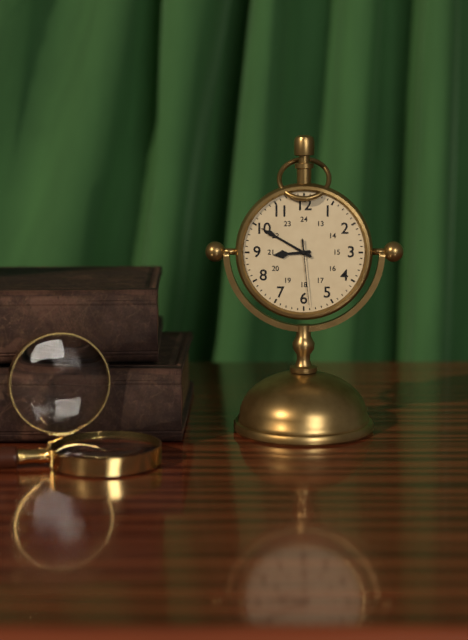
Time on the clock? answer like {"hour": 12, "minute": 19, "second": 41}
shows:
{"hour": 8, "minute": 50, "second": 29}
